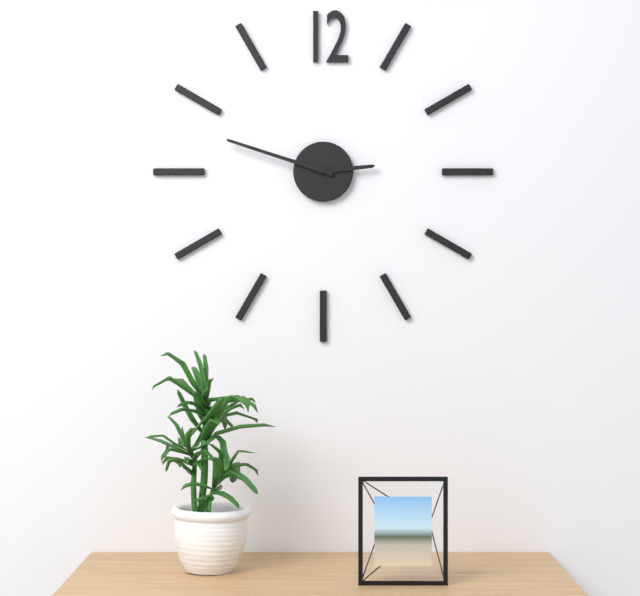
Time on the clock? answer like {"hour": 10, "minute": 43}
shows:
{"hour": 2, "minute": 48}
